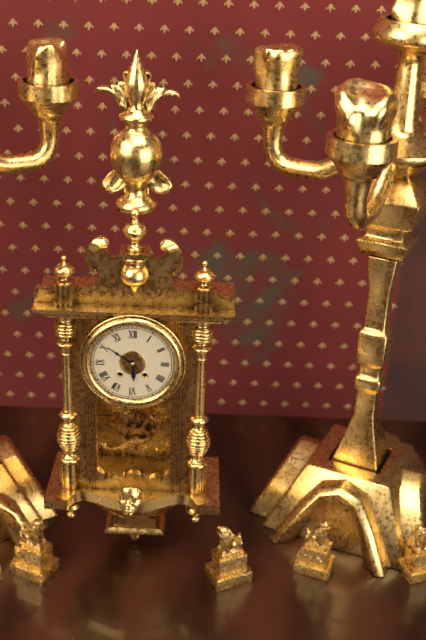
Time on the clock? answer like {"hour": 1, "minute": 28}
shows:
{"hour": 5, "minute": 51}
